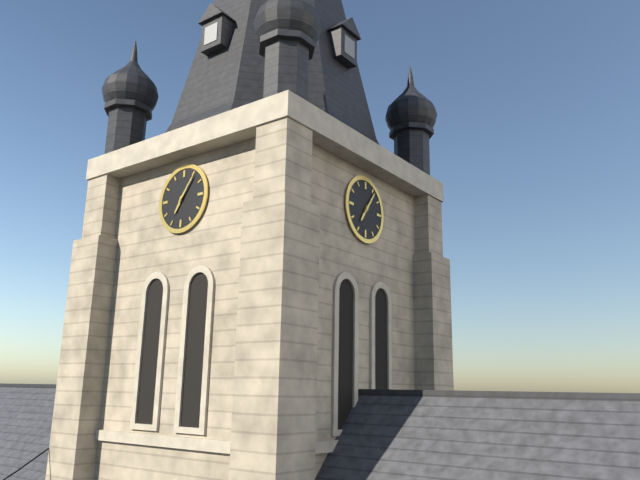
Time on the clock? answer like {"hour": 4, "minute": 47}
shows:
{"hour": 7, "minute": 6}
